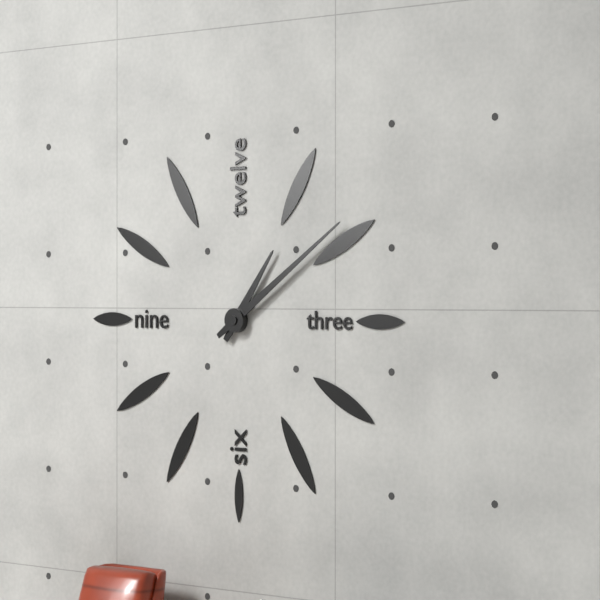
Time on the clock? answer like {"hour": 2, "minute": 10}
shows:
{"hour": 1, "minute": 9}
